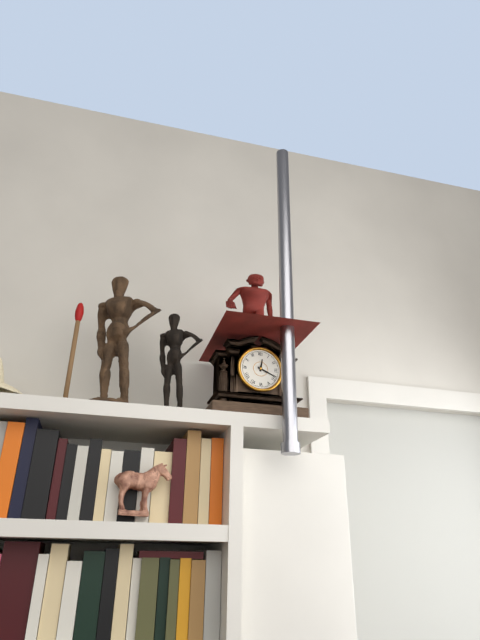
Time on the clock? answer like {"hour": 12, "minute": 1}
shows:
{"hour": 12, "minute": 19}
